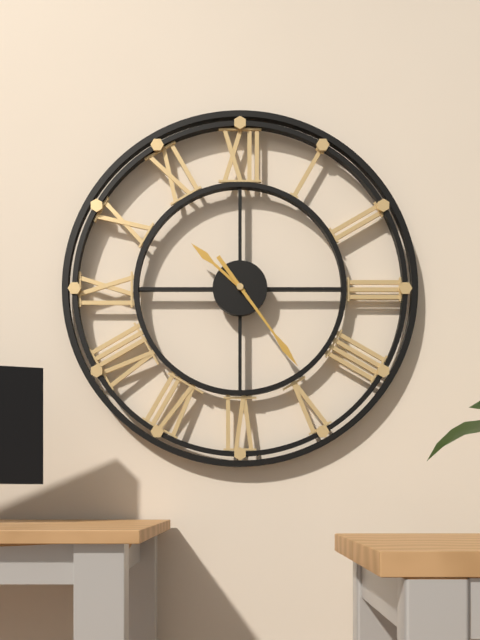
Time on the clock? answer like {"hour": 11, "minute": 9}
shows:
{"hour": 10, "minute": 24}
